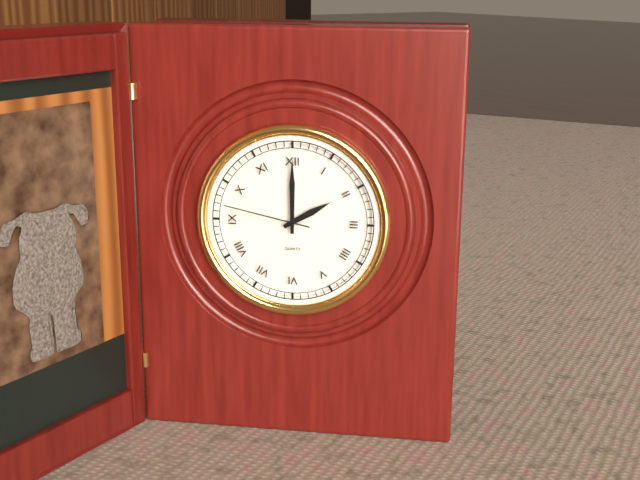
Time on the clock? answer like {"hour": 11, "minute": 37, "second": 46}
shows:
{"hour": 2, "minute": 0, "second": 47}
